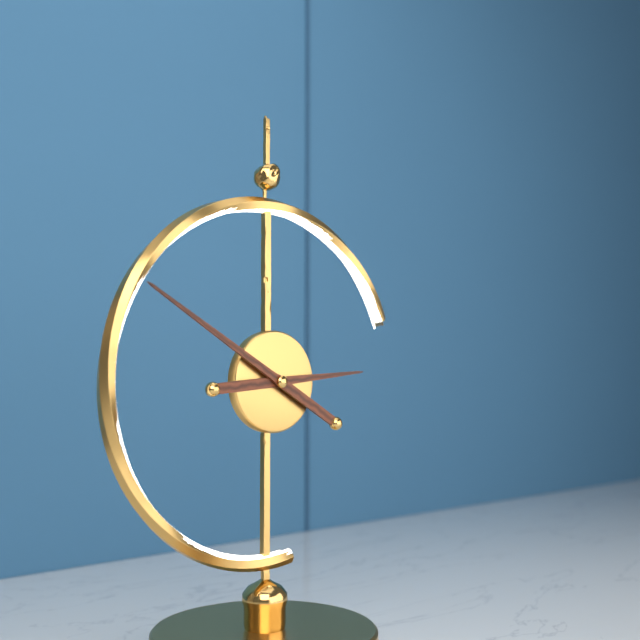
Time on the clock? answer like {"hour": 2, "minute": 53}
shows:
{"hour": 2, "minute": 50}
